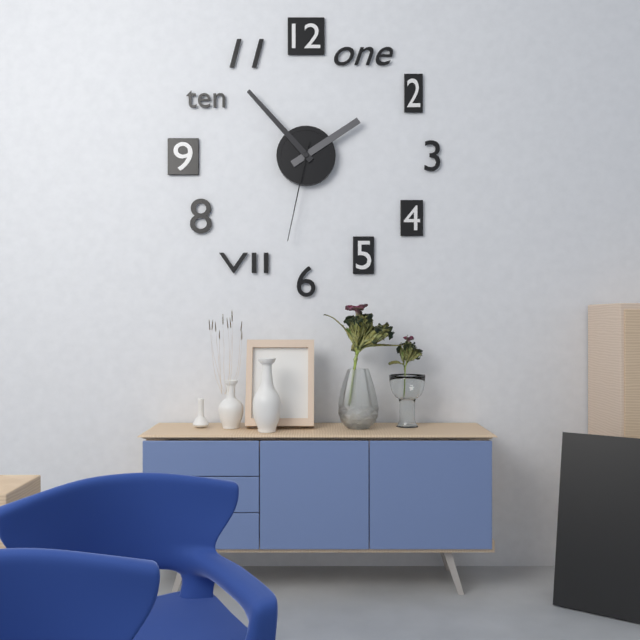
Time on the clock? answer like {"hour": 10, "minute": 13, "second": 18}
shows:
{"hour": 1, "minute": 53, "second": 32}
